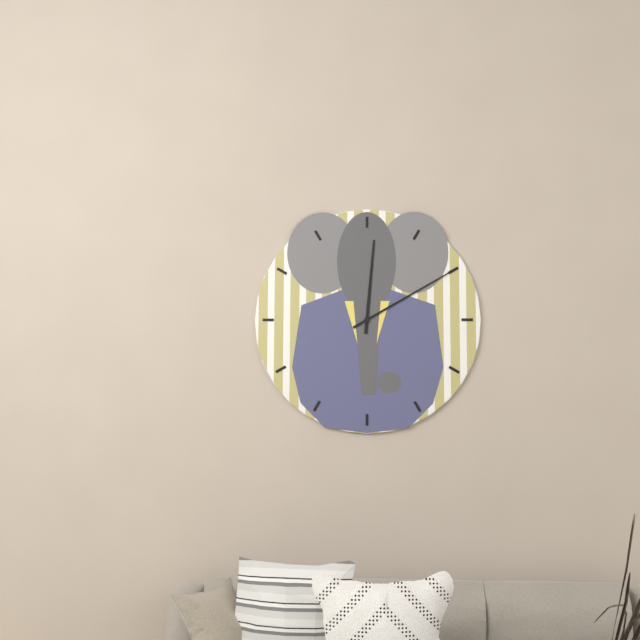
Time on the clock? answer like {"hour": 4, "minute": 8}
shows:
{"hour": 12, "minute": 10}
